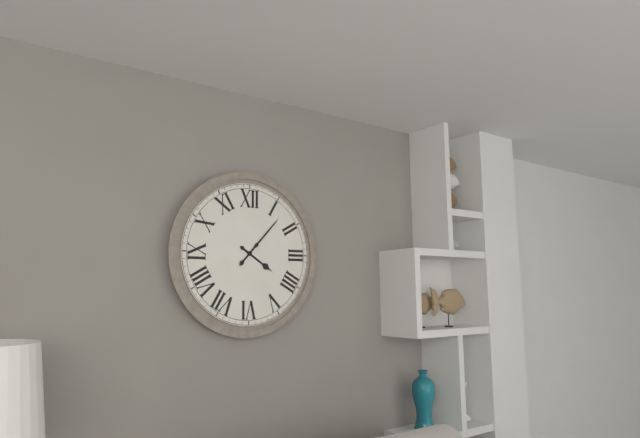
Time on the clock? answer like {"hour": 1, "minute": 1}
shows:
{"hour": 4, "minute": 7}
